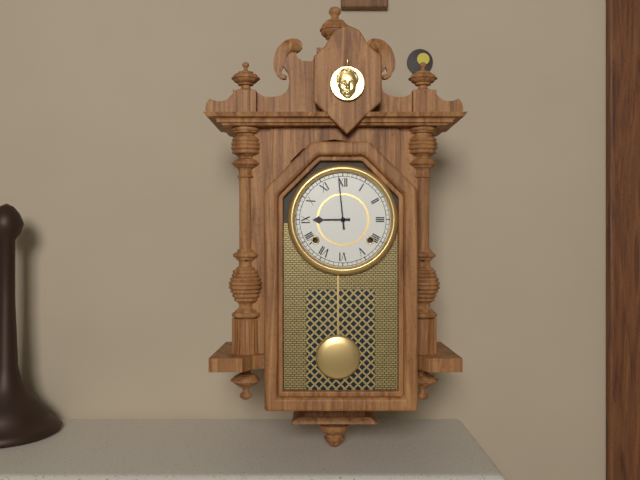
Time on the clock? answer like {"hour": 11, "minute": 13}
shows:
{"hour": 8, "minute": 59}
